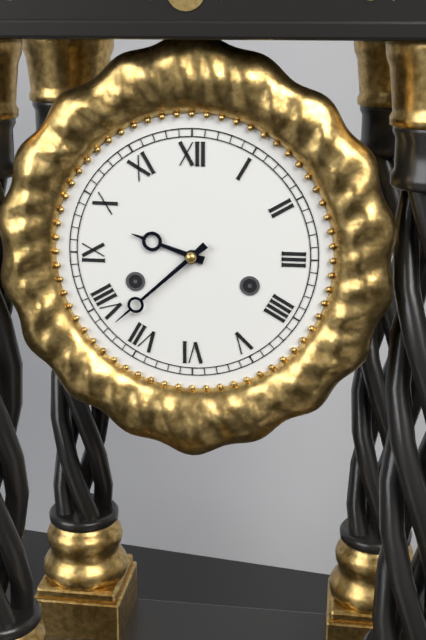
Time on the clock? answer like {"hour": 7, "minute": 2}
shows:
{"hour": 9, "minute": 38}
